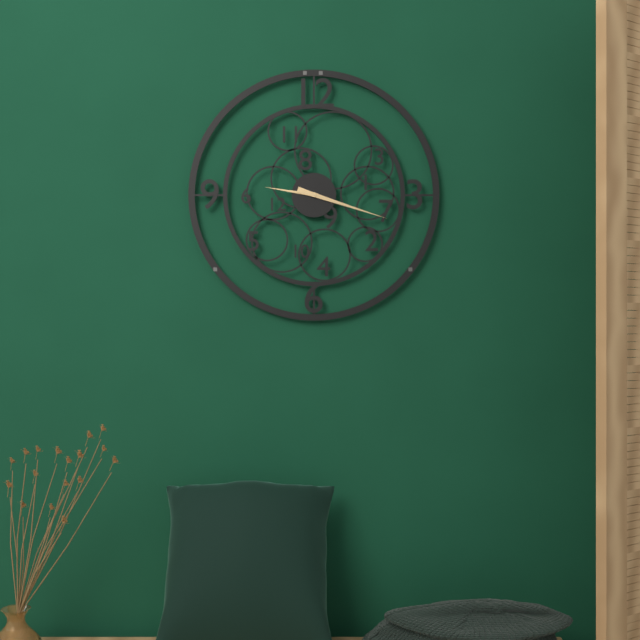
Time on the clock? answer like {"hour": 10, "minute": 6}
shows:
{"hour": 9, "minute": 18}
